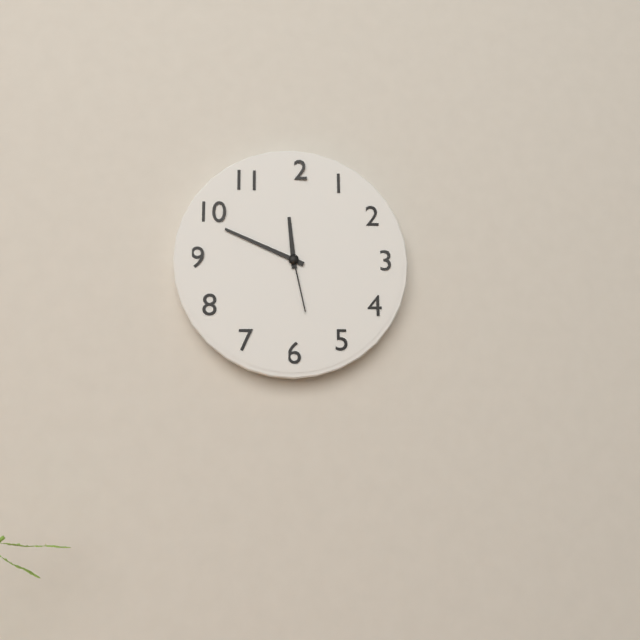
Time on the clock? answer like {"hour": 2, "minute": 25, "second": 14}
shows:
{"hour": 11, "minute": 49, "second": 28}
